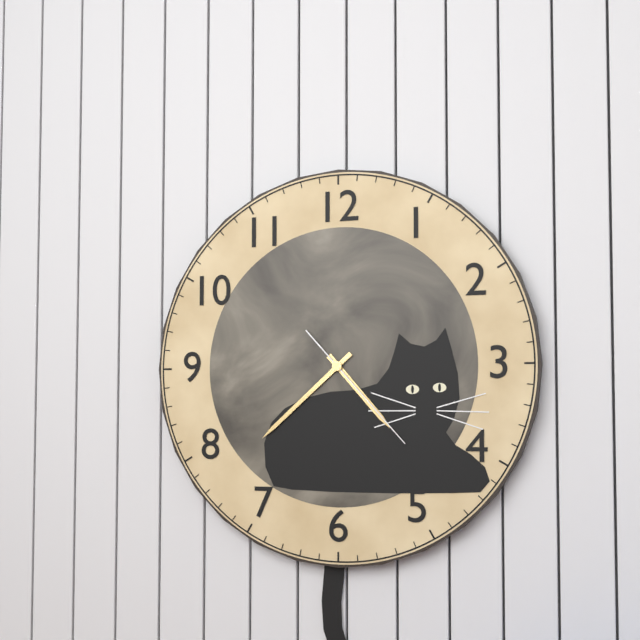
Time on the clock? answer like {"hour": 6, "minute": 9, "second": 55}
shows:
{"hour": 4, "minute": 38, "second": 23}
